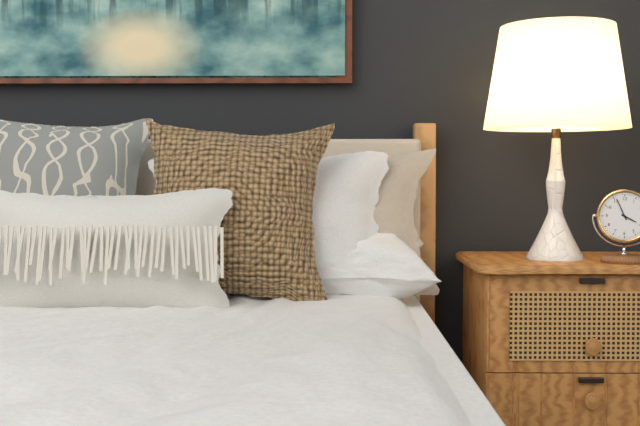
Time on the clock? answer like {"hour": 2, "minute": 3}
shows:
{"hour": 3, "minute": 56}
